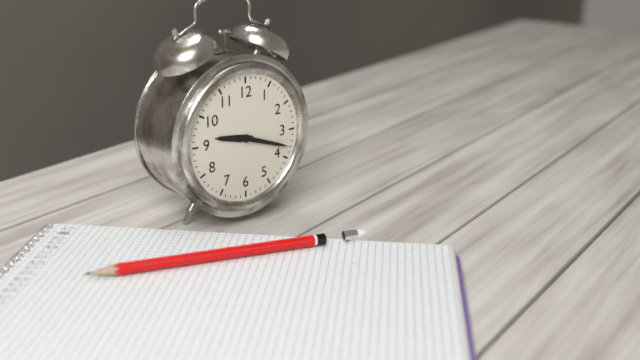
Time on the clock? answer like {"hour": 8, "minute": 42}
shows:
{"hour": 9, "minute": 18}
